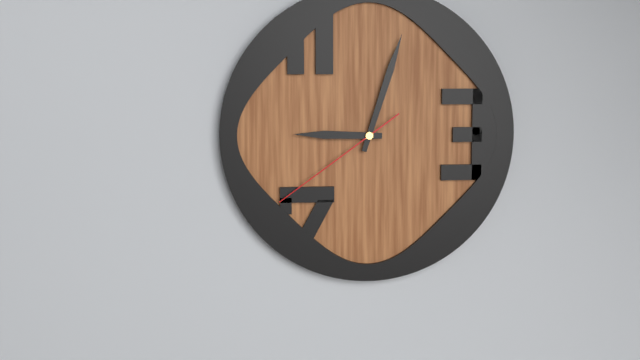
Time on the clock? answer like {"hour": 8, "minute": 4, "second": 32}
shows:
{"hour": 9, "minute": 3, "second": 39}
